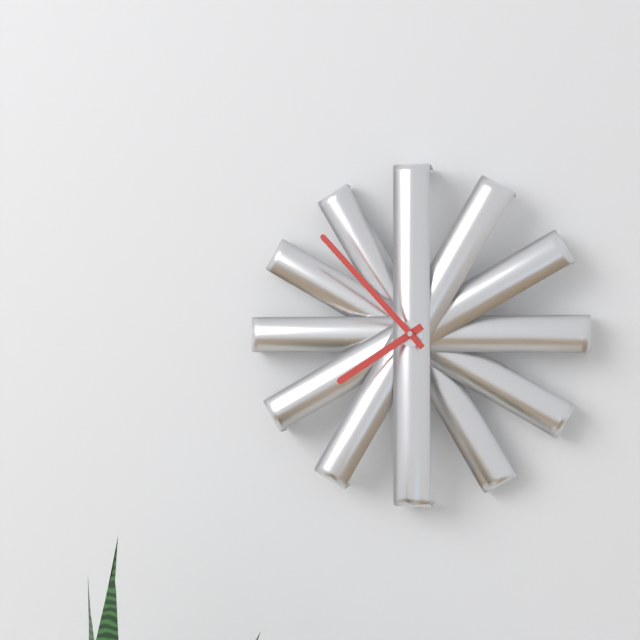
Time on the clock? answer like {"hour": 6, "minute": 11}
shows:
{"hour": 7, "minute": 53}
